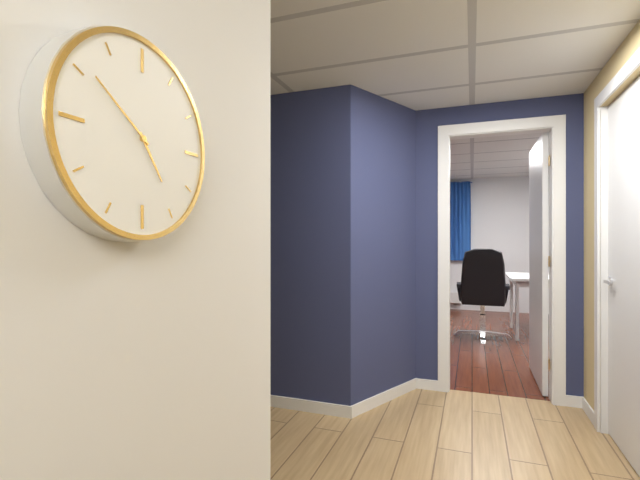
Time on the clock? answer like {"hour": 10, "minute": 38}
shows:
{"hour": 4, "minute": 51}
